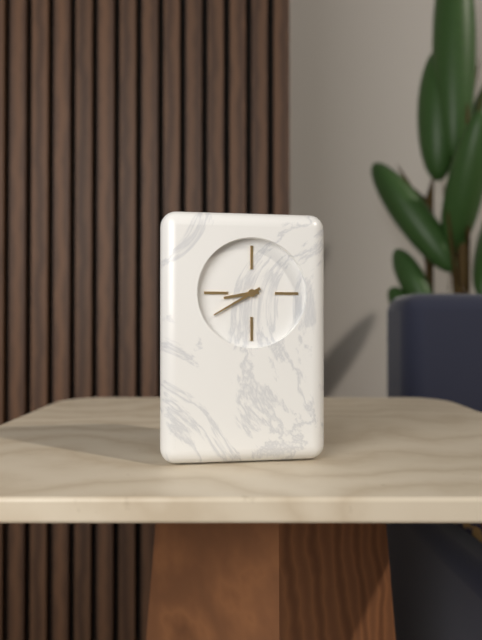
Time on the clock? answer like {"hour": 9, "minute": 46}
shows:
{"hour": 8, "minute": 40}
